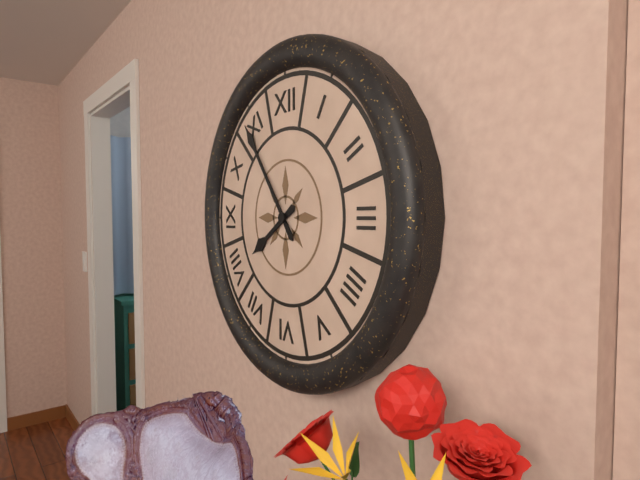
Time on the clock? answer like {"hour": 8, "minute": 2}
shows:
{"hour": 7, "minute": 54}
